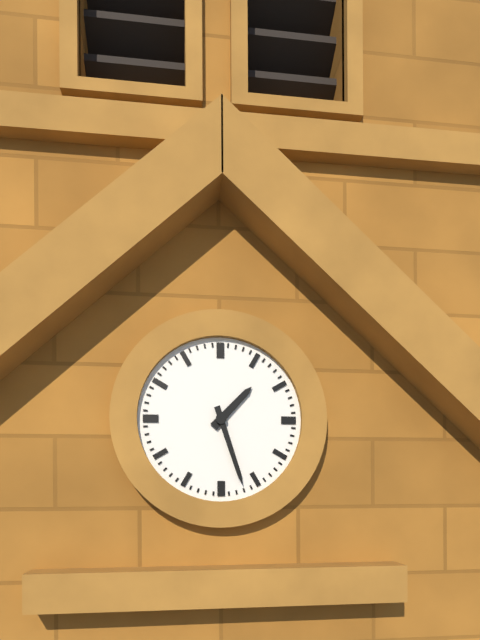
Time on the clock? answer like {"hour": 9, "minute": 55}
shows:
{"hour": 1, "minute": 27}
